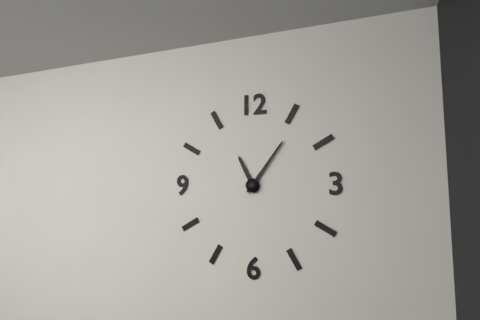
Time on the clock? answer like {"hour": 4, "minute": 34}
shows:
{"hour": 11, "minute": 6}
